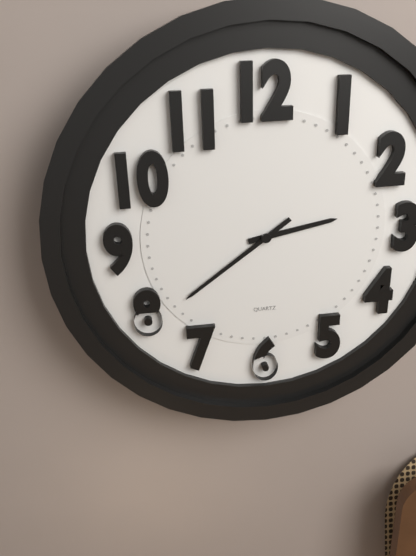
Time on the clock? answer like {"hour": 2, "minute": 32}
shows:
{"hour": 2, "minute": 39}
